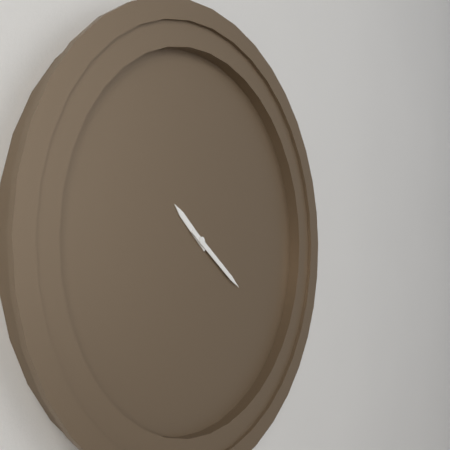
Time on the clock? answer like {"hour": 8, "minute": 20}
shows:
{"hour": 10, "minute": 21}
